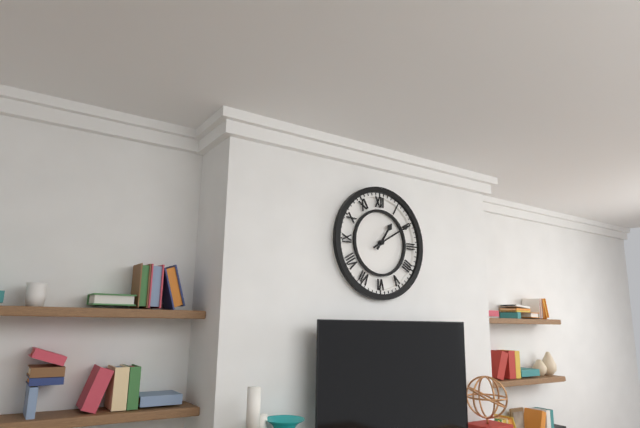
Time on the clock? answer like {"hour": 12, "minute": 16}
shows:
{"hour": 1, "minute": 10}
